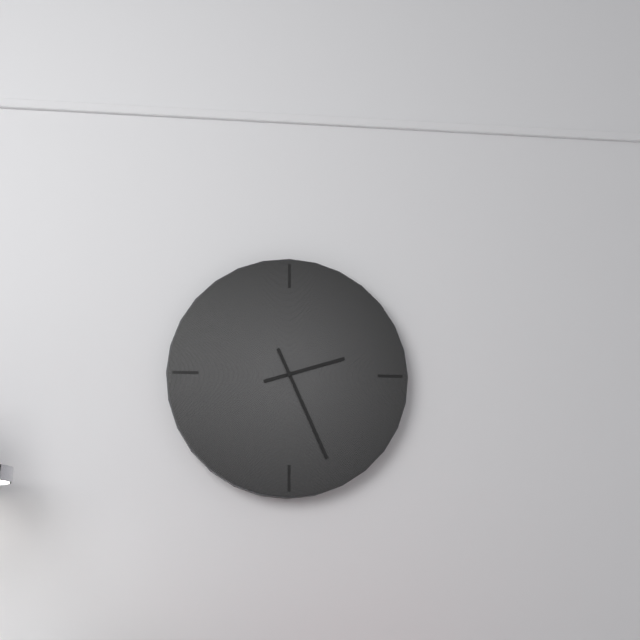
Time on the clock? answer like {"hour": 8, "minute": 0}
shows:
{"hour": 2, "minute": 26}
